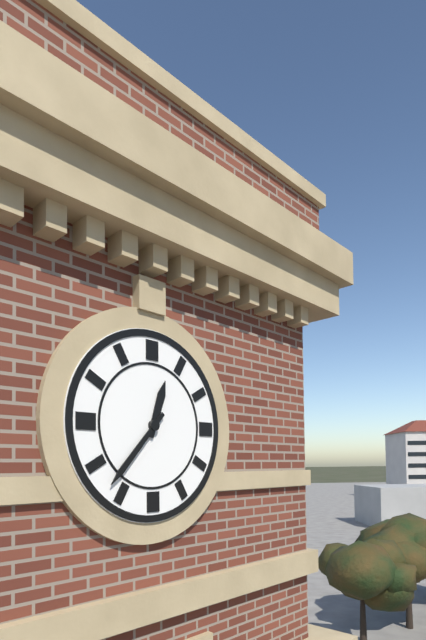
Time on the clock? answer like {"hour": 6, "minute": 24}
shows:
{"hour": 12, "minute": 37}
